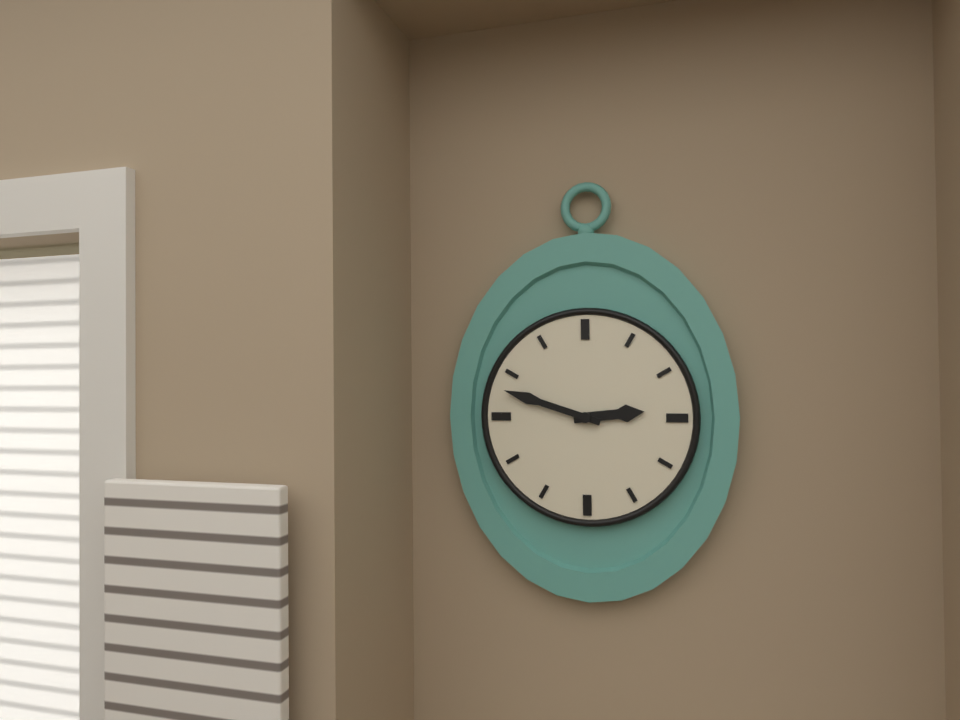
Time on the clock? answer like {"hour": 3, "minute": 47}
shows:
{"hour": 2, "minute": 48}
